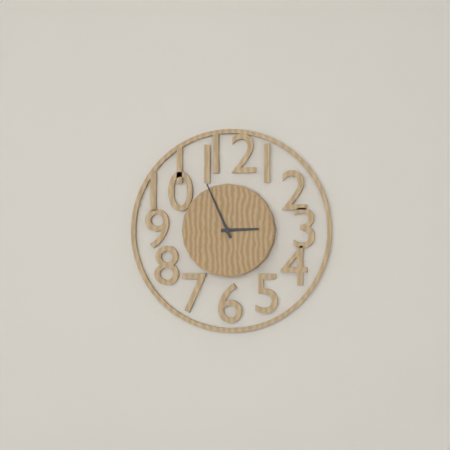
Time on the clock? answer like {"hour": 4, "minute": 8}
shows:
{"hour": 2, "minute": 56}
